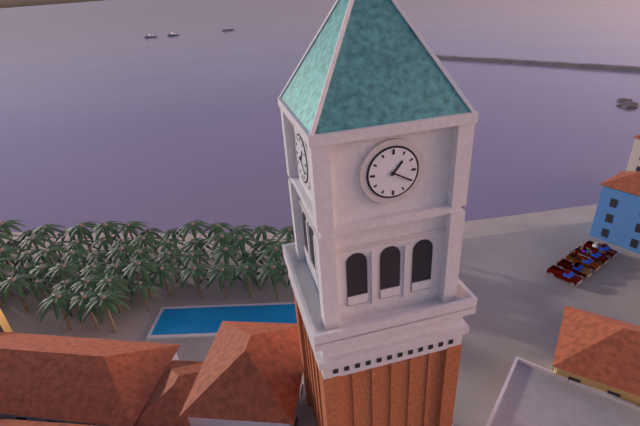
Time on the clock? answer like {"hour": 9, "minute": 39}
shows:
{"hour": 1, "minute": 20}
